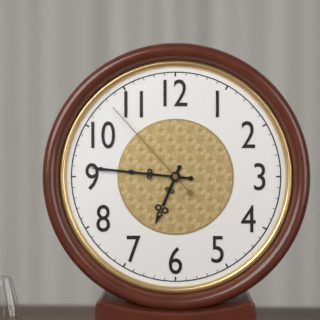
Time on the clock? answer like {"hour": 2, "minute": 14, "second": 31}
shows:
{"hour": 6, "minute": 46, "second": 53}
